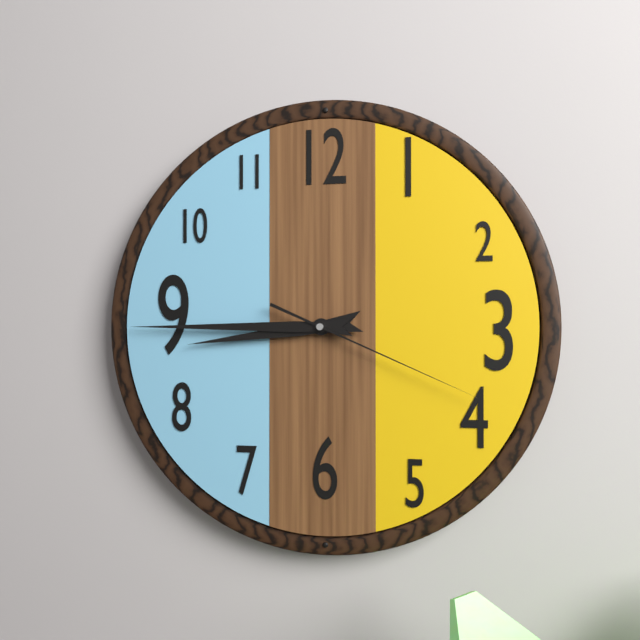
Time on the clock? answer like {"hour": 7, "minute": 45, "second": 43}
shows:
{"hour": 8, "minute": 45, "second": 19}
